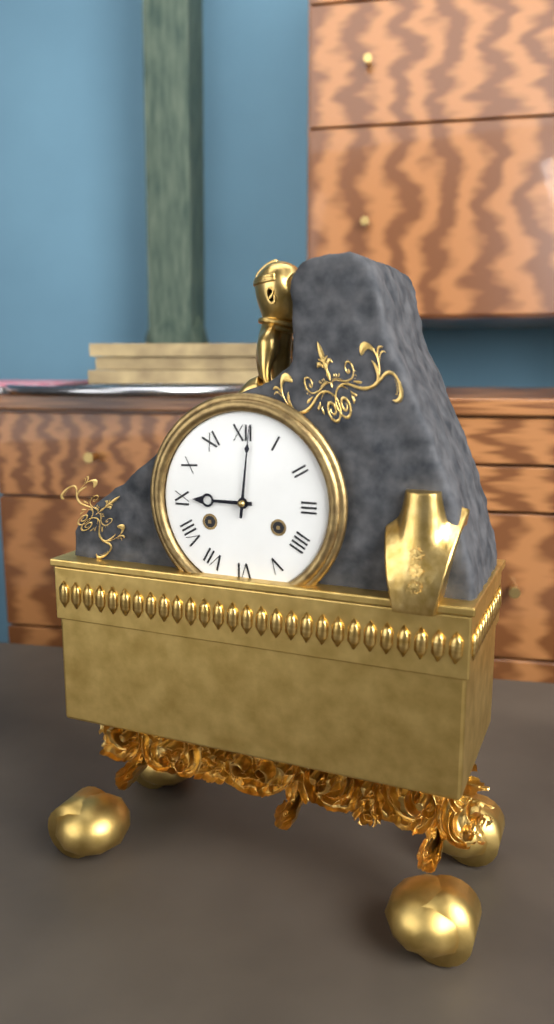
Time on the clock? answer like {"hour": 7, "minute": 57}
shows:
{"hour": 9, "minute": 1}
